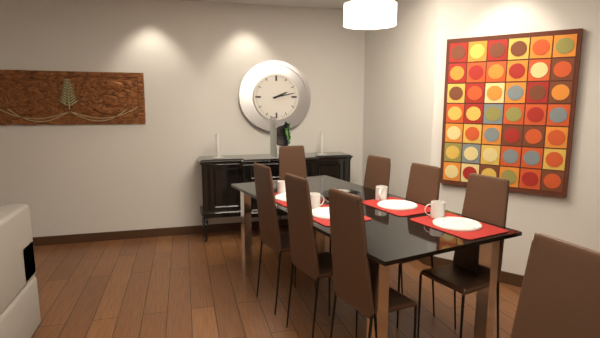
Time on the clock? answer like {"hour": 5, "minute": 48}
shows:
{"hour": 2, "minute": 13}
